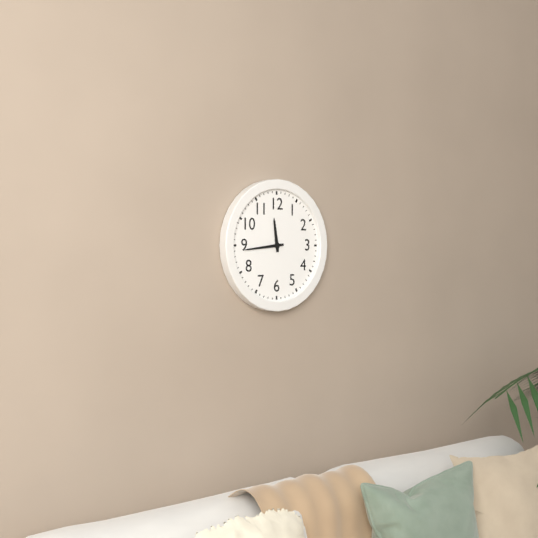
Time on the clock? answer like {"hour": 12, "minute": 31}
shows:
{"hour": 11, "minute": 44}
